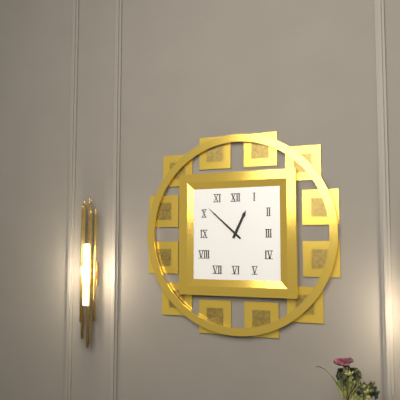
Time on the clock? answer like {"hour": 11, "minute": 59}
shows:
{"hour": 12, "minute": 52}
